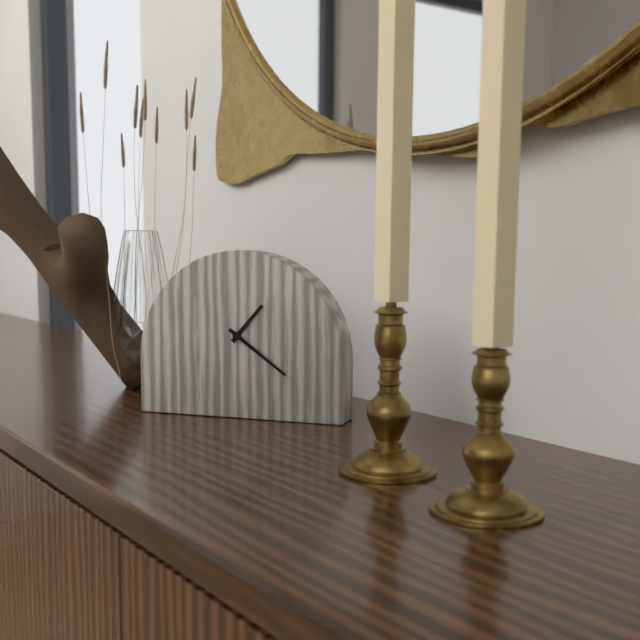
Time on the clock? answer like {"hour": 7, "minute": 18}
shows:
{"hour": 1, "minute": 21}
